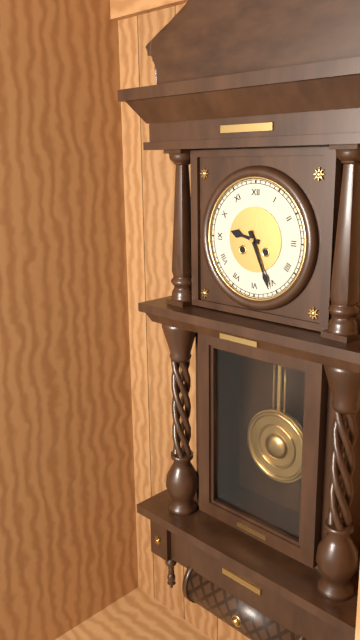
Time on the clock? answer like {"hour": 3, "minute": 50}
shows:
{"hour": 9, "minute": 26}
